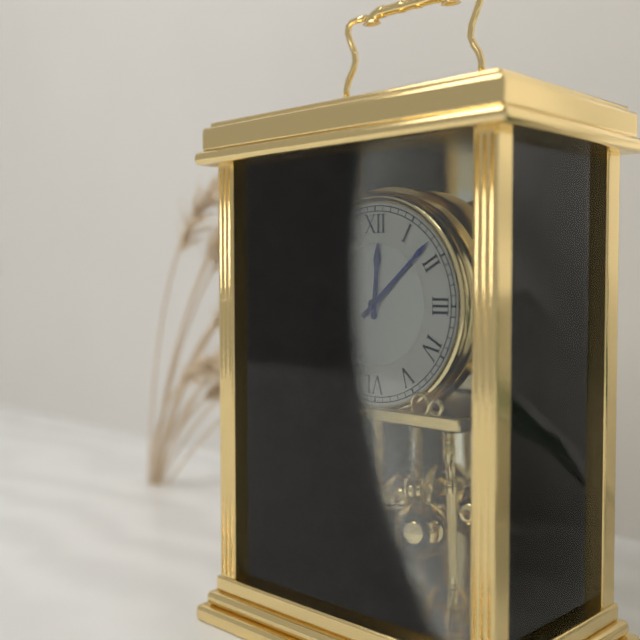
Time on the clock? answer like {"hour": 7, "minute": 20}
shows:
{"hour": 12, "minute": 8}
